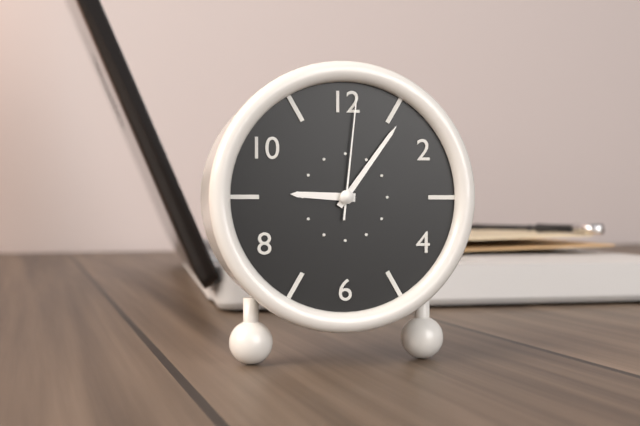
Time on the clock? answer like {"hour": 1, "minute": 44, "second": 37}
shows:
{"hour": 9, "minute": 6, "second": 1}
